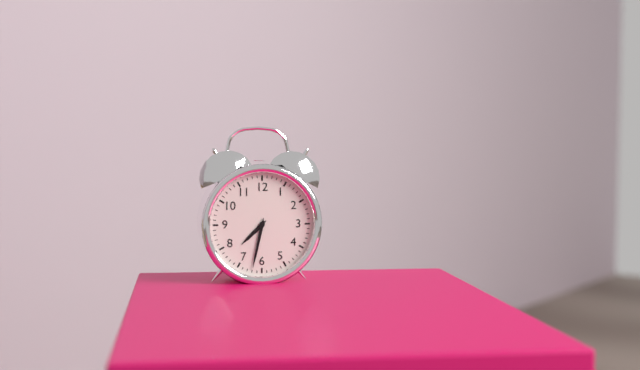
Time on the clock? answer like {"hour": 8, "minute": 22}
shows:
{"hour": 7, "minute": 32}
